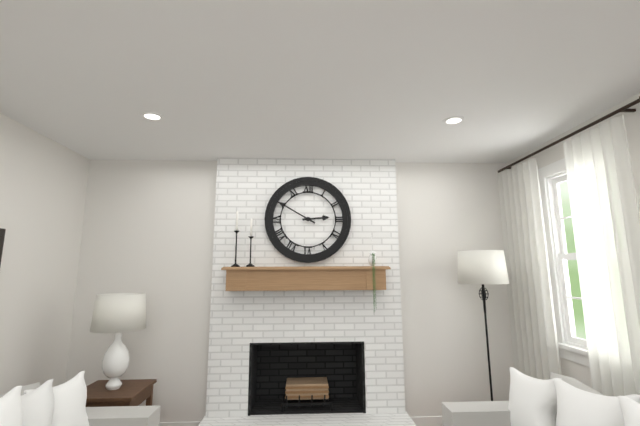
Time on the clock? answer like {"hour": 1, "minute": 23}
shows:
{"hour": 2, "minute": 50}
